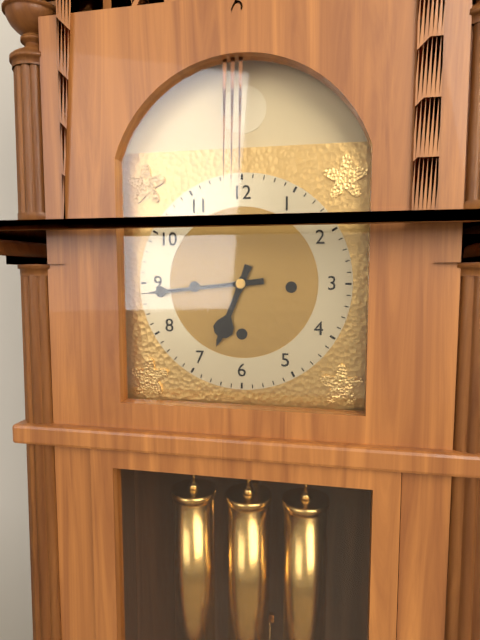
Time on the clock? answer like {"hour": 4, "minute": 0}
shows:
{"hour": 6, "minute": 44}
